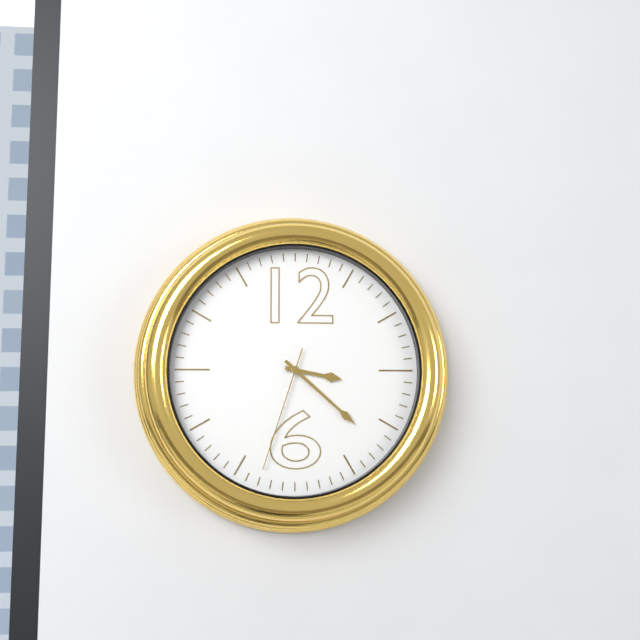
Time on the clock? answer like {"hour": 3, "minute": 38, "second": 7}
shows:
{"hour": 3, "minute": 22, "second": 33}
